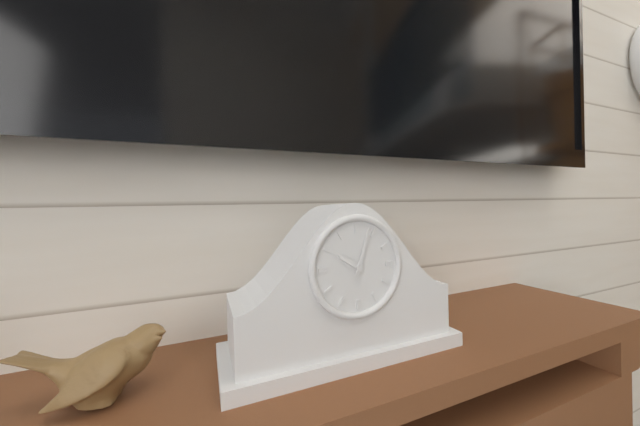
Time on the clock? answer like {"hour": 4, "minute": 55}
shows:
{"hour": 10, "minute": 3}
